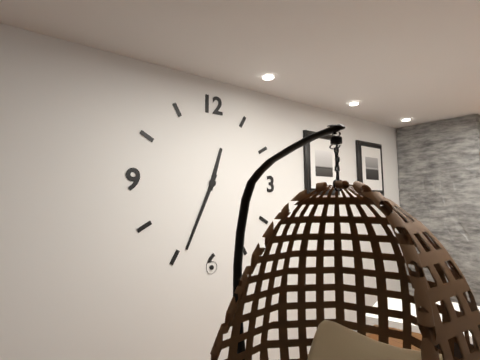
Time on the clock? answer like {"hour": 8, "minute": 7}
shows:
{"hour": 12, "minute": 34}
